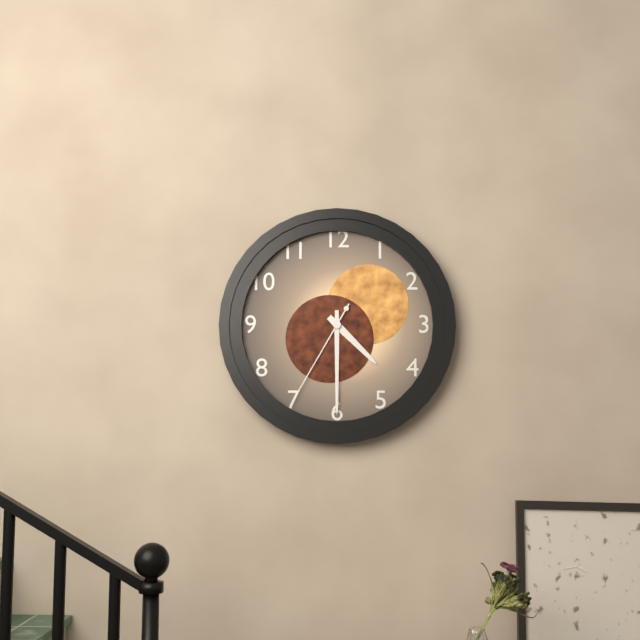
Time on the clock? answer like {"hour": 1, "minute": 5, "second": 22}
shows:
{"hour": 4, "minute": 30, "second": 35}
